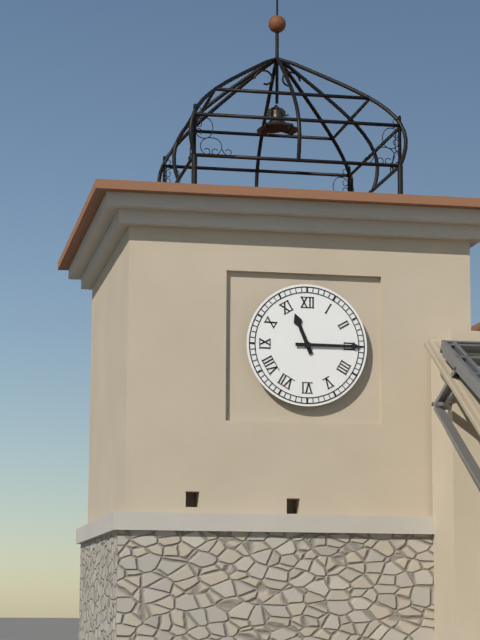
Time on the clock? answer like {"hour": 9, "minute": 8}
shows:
{"hour": 11, "minute": 15}
